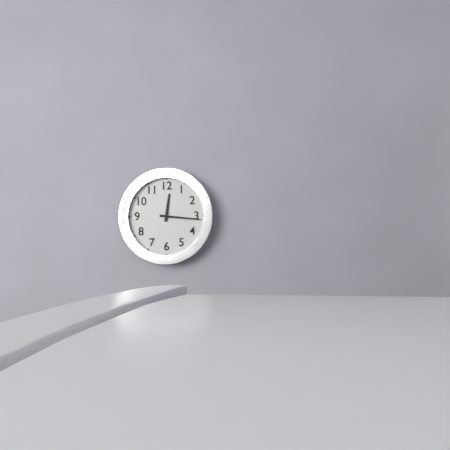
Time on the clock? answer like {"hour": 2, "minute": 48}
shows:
{"hour": 12, "minute": 16}
